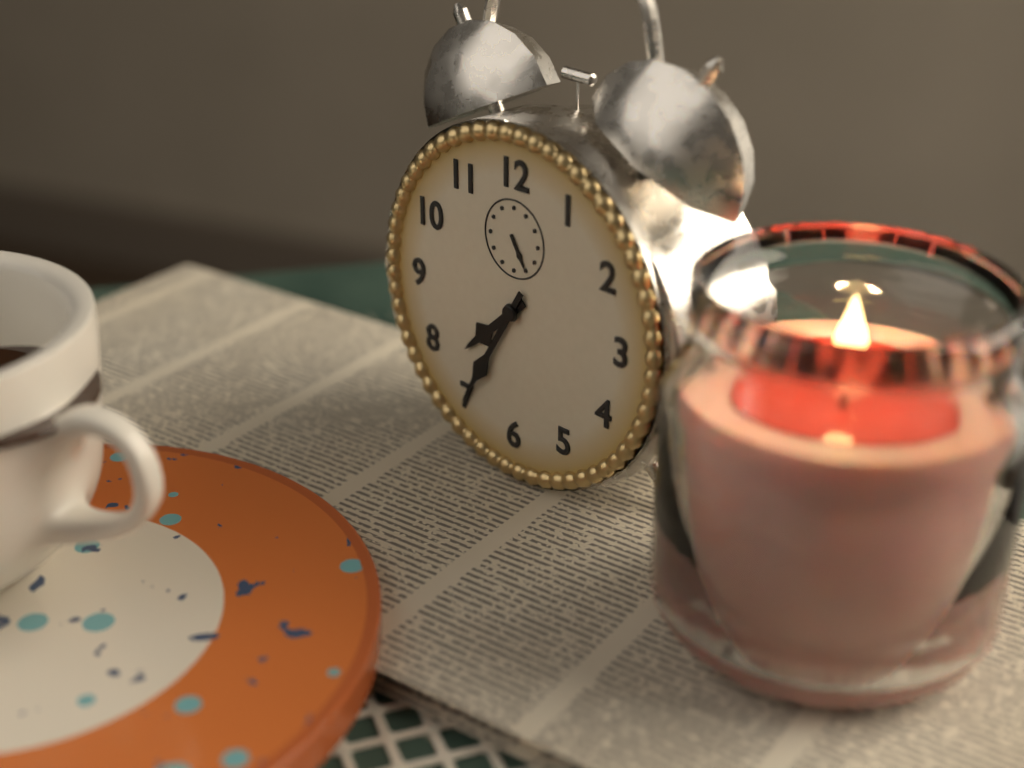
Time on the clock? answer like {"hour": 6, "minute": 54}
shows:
{"hour": 7, "minute": 35}
